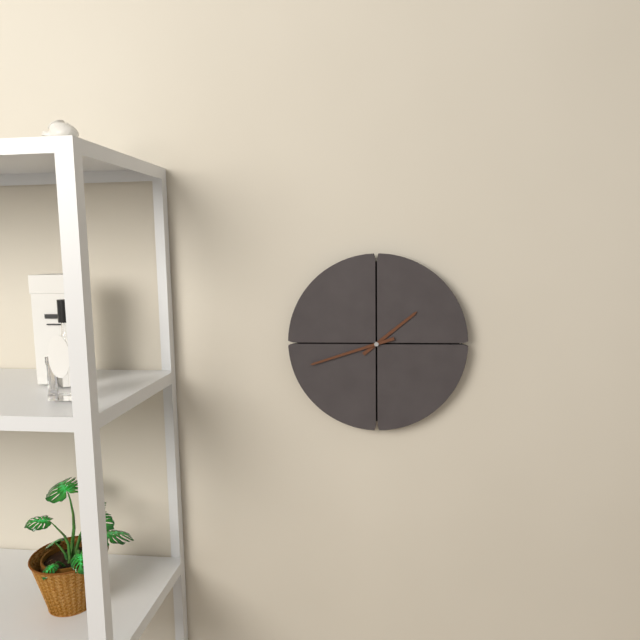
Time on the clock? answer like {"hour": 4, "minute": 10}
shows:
{"hour": 1, "minute": 42}
